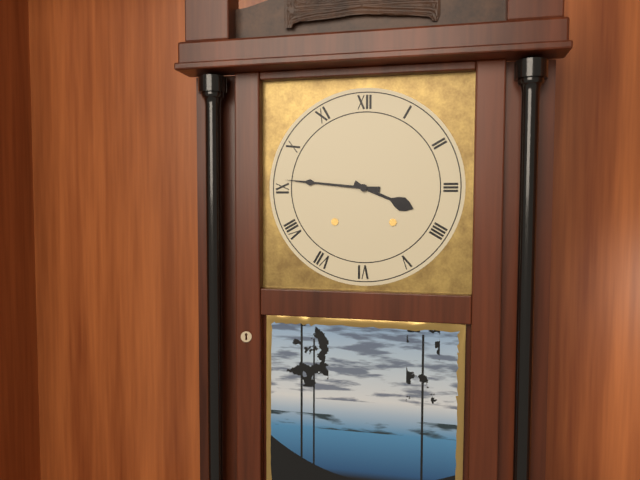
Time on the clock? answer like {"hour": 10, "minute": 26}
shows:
{"hour": 3, "minute": 46}
